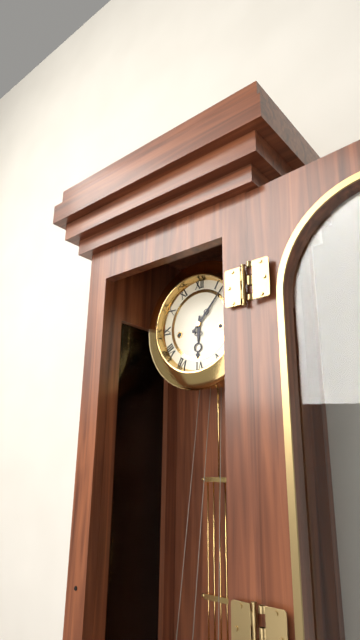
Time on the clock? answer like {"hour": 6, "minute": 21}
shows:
{"hour": 6, "minute": 7}
